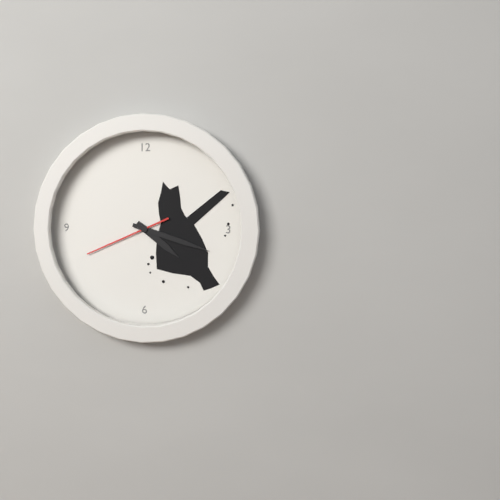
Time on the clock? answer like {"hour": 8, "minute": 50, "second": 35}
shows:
{"hour": 4, "minute": 18, "second": 41}
